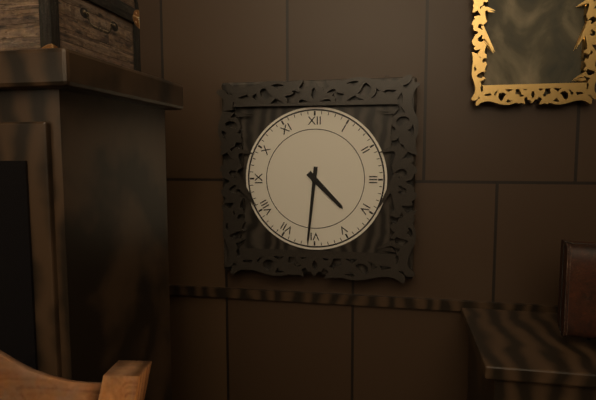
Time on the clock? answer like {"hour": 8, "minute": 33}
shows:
{"hour": 4, "minute": 31}
